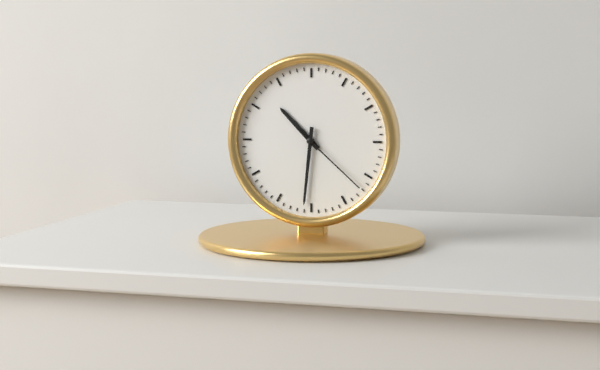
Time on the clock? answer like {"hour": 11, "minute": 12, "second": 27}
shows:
{"hour": 10, "minute": 31, "second": 22}
